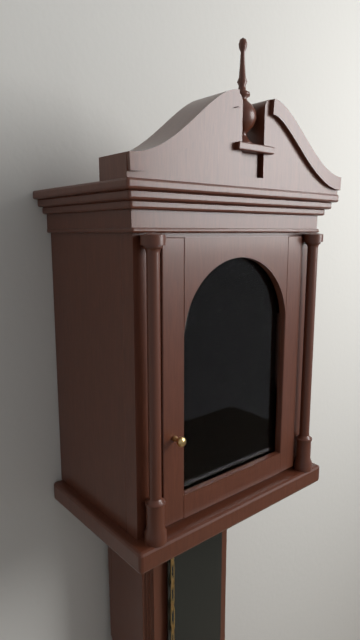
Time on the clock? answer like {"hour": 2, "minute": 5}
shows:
{"hour": 5, "minute": 58}
